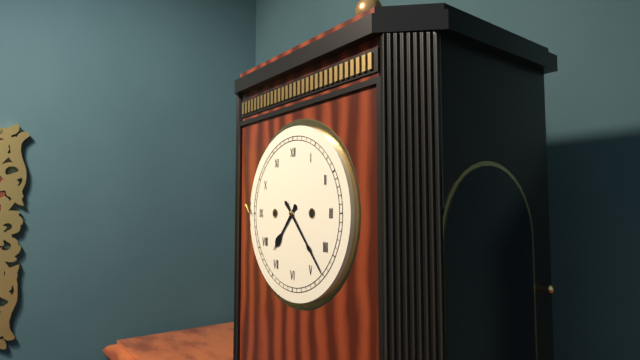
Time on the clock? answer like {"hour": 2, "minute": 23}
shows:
{"hour": 7, "minute": 23}
